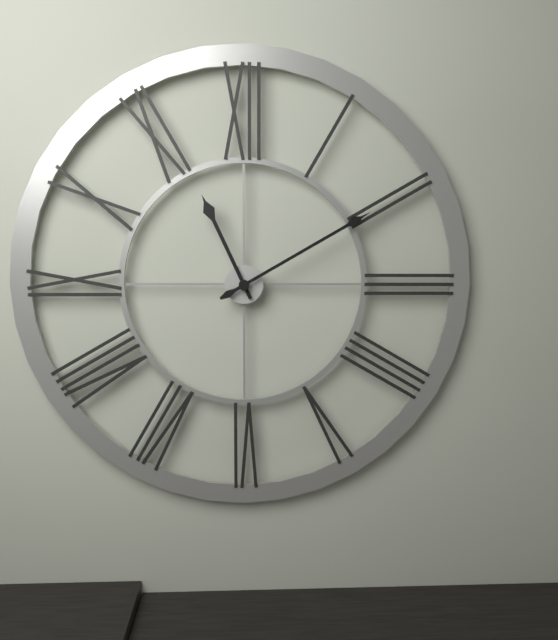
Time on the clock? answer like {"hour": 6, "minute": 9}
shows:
{"hour": 11, "minute": 10}
